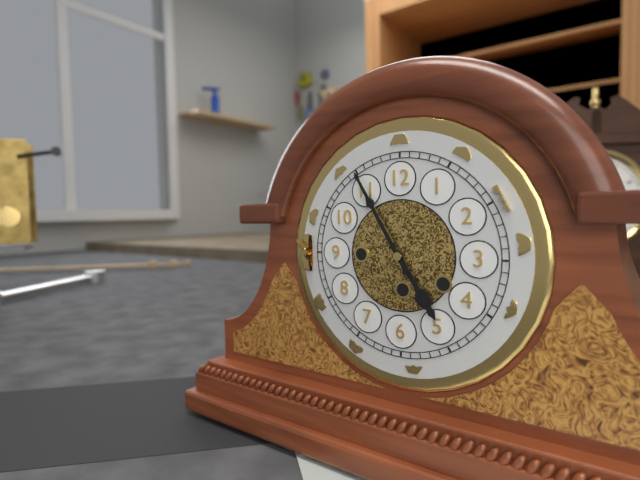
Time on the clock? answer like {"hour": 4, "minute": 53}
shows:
{"hour": 4, "minute": 55}
